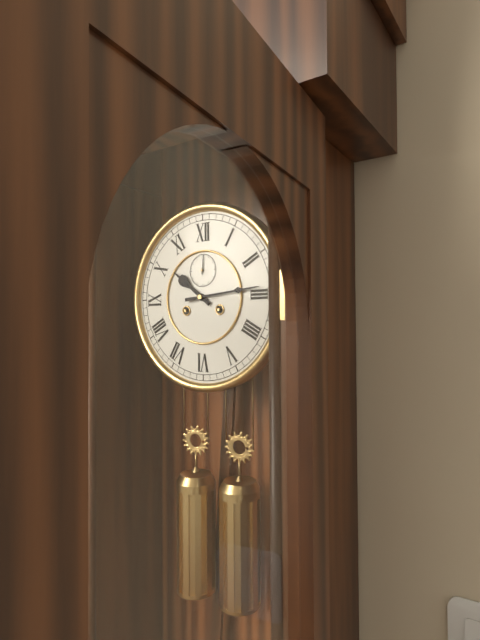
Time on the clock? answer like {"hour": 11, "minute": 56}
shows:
{"hour": 10, "minute": 14}
